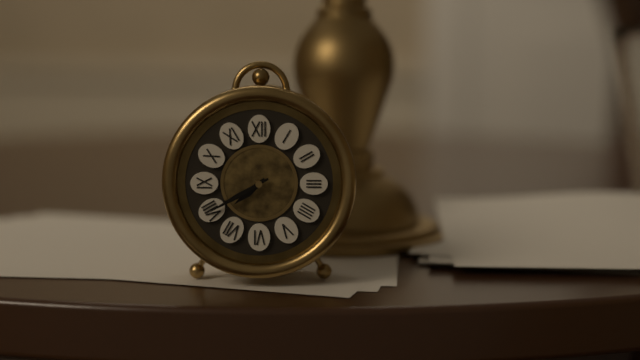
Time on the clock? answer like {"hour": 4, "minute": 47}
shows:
{"hour": 7, "minute": 40}
